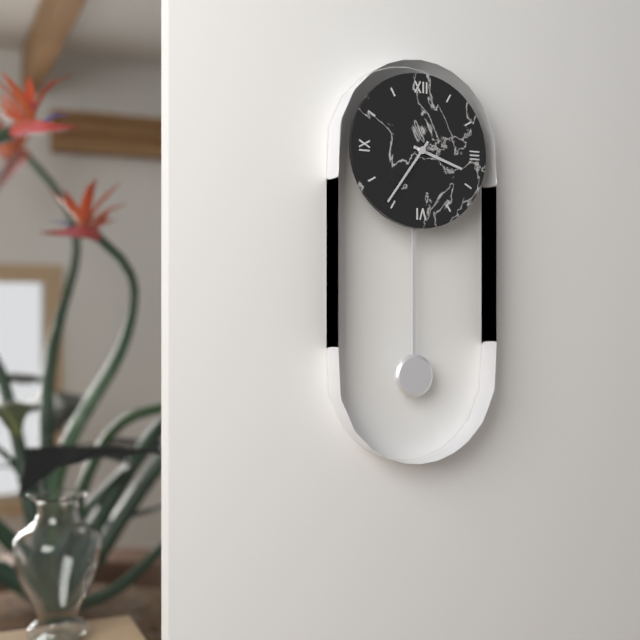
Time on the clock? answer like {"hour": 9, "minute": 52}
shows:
{"hour": 3, "minute": 36}
